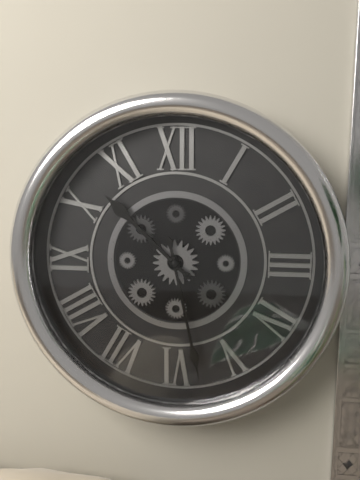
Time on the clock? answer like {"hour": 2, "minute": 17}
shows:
{"hour": 10, "minute": 28}
